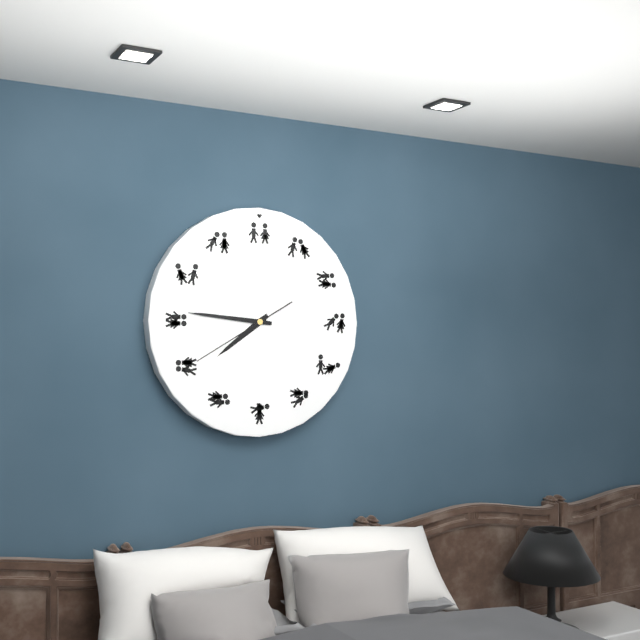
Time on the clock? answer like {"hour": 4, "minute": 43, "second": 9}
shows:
{"hour": 7, "minute": 46, "second": 40}
